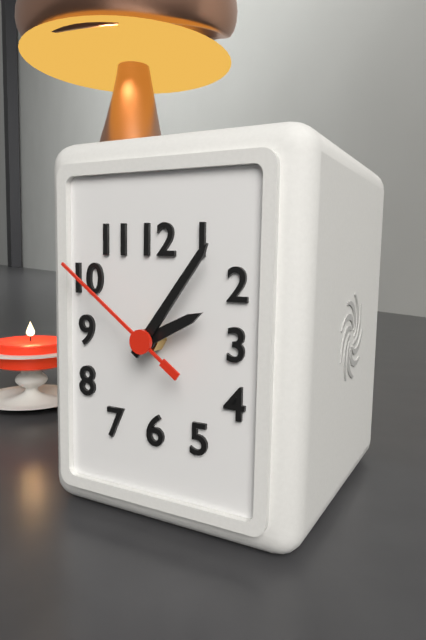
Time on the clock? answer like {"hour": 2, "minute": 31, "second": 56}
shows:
{"hour": 2, "minute": 6, "second": 51}
